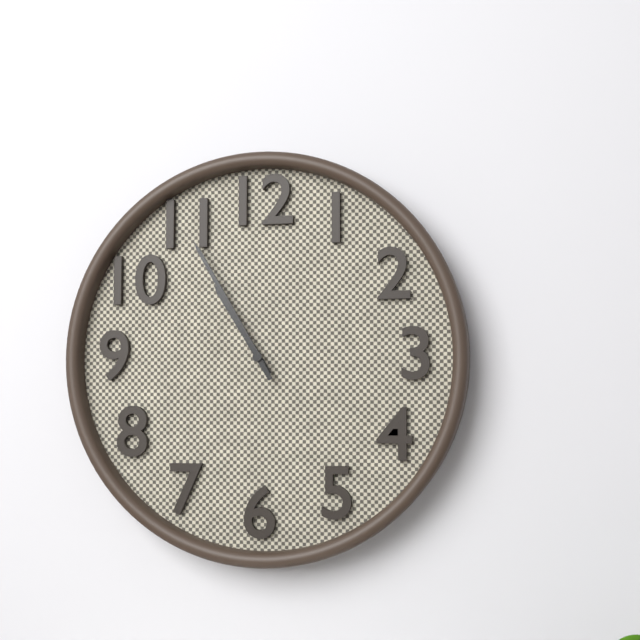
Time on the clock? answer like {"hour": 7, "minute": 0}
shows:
{"hour": 10, "minute": 55}
